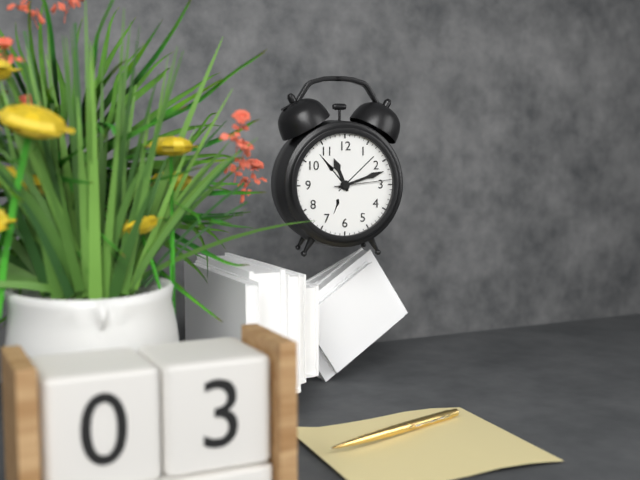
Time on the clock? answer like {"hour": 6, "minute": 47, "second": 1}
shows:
{"hour": 11, "minute": 12, "second": 14}
